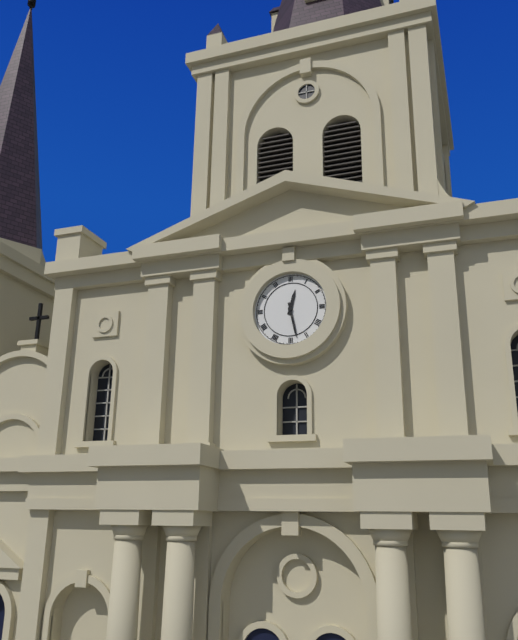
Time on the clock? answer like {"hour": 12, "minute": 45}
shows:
{"hour": 12, "minute": 28}
